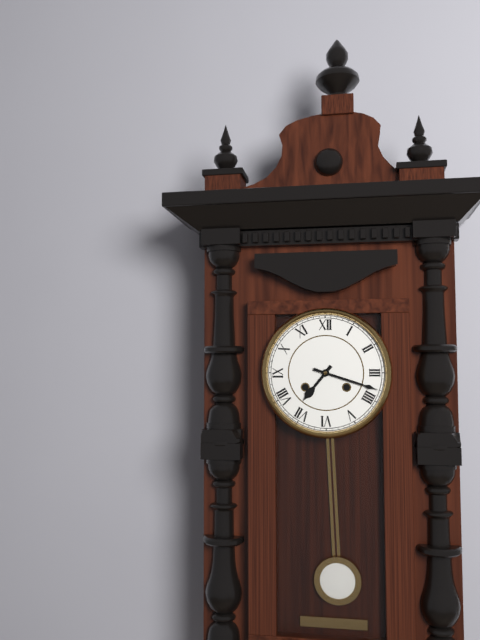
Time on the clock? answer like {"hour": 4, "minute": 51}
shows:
{"hour": 7, "minute": 18}
